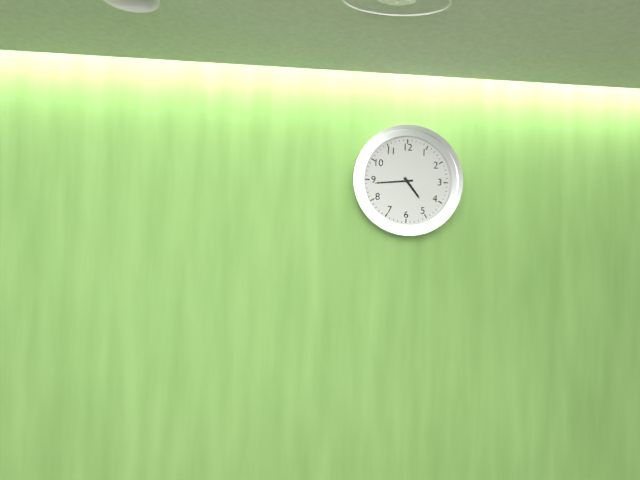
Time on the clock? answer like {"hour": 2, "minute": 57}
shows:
{"hour": 4, "minute": 44}
